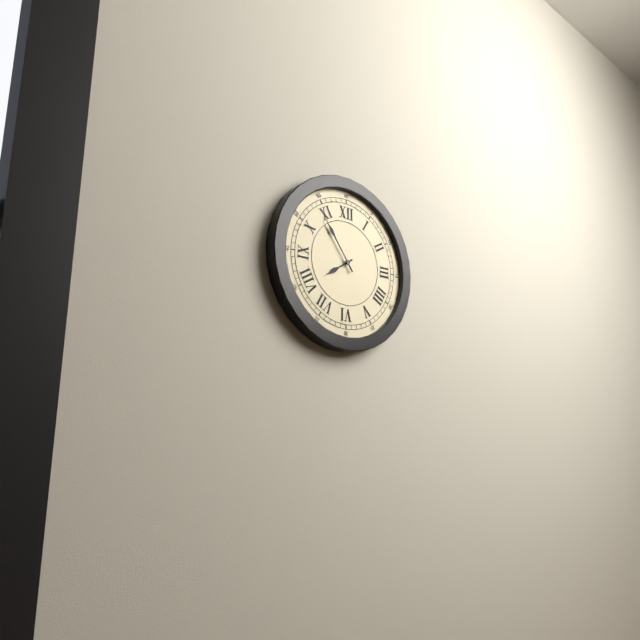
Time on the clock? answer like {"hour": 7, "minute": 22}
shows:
{"hour": 7, "minute": 54}
